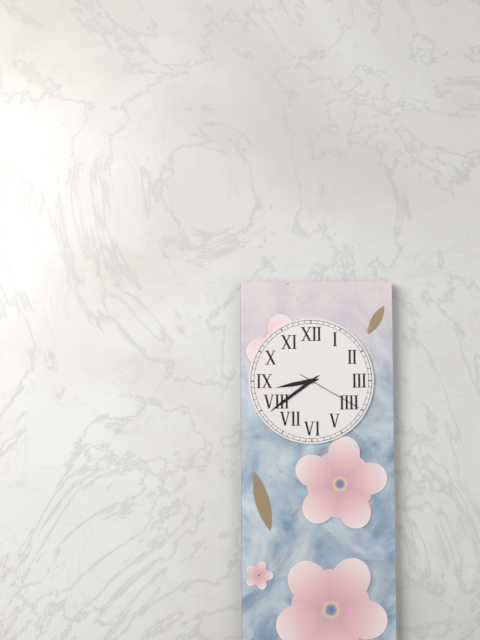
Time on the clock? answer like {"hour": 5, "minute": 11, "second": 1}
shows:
{"hour": 8, "minute": 39, "second": 20}
